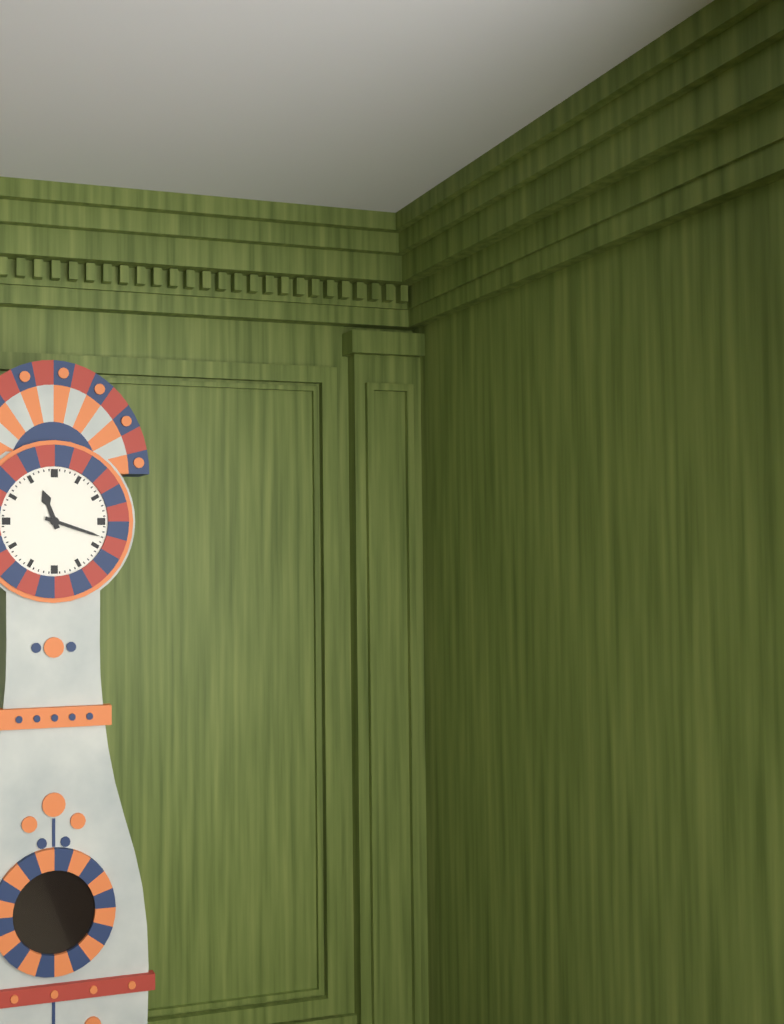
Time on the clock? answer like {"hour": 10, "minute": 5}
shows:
{"hour": 11, "minute": 18}
